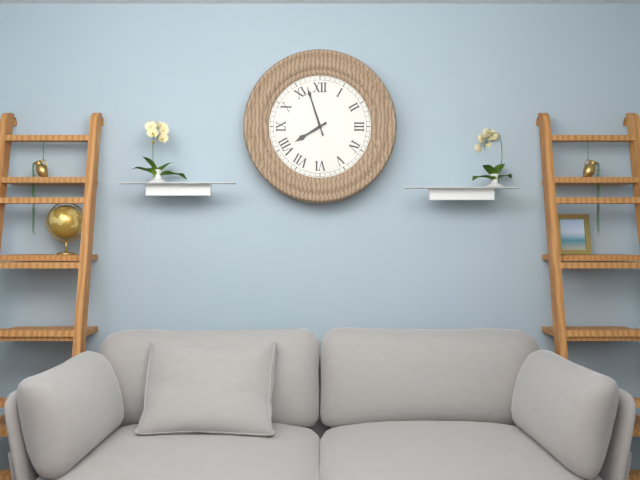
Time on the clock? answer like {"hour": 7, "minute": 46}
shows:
{"hour": 7, "minute": 57}
